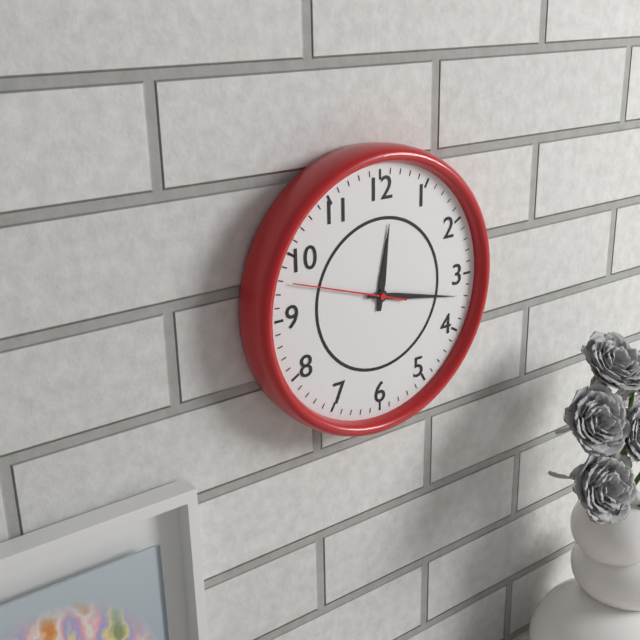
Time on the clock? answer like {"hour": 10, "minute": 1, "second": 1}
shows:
{"hour": 12, "minute": 17, "second": 48}
